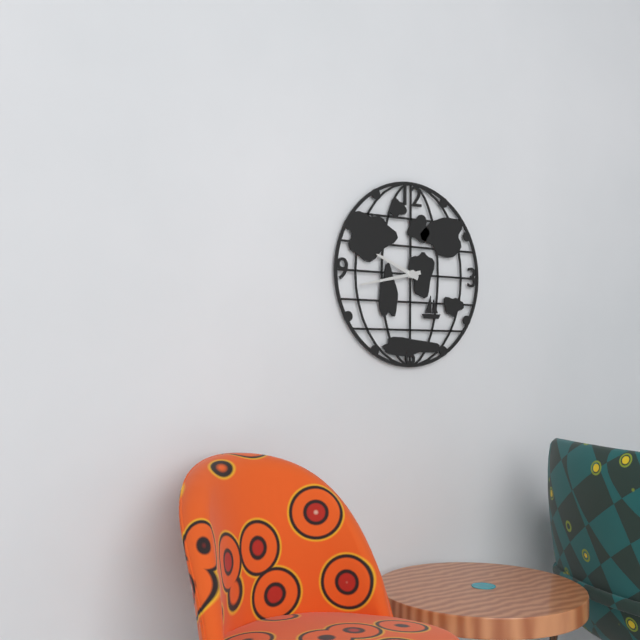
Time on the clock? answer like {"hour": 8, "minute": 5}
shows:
{"hour": 9, "minute": 43}
